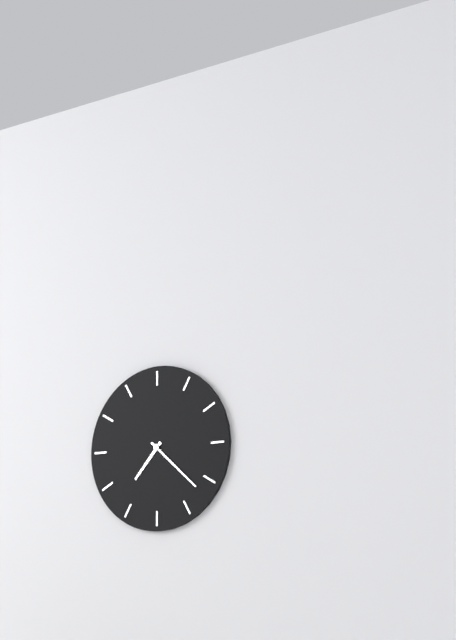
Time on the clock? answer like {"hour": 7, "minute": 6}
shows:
{"hour": 7, "minute": 22}
